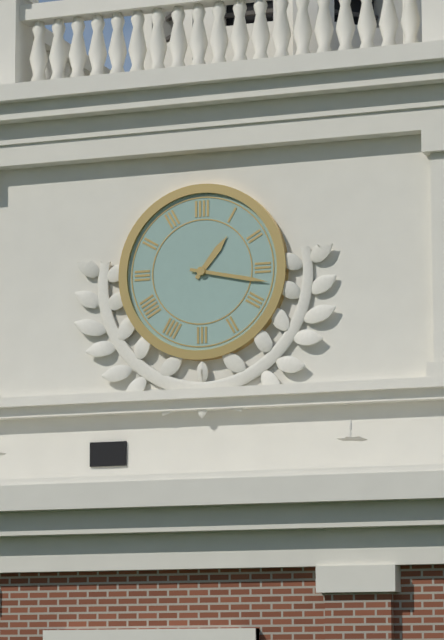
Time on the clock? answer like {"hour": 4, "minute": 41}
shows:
{"hour": 1, "minute": 17}
